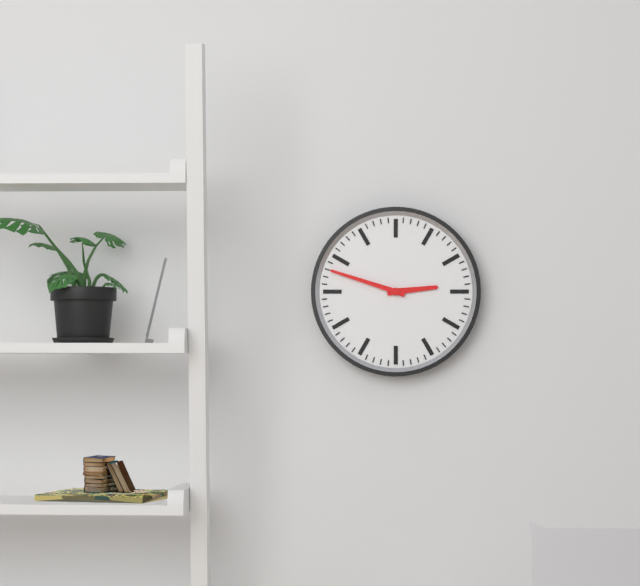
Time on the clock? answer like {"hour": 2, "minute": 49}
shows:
{"hour": 2, "minute": 48}
